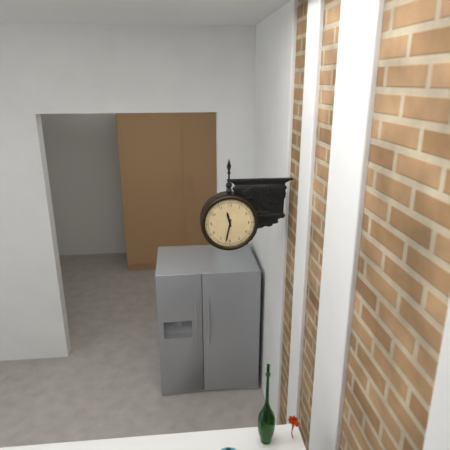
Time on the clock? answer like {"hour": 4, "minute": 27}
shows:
{"hour": 11, "minute": 32}
